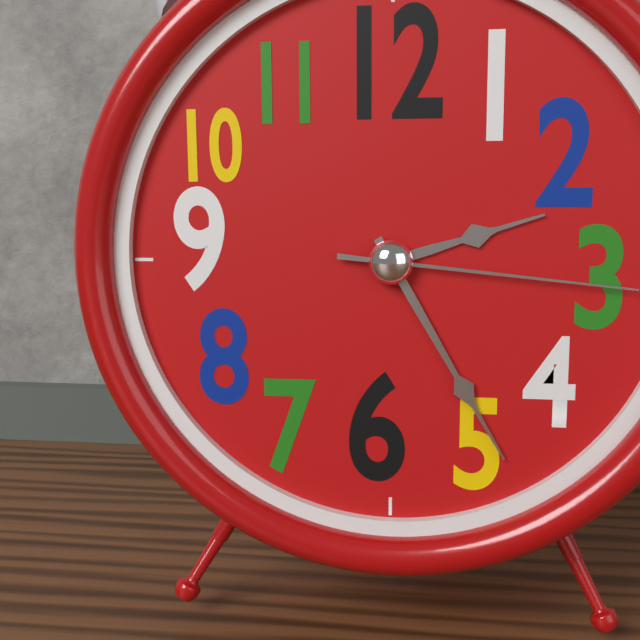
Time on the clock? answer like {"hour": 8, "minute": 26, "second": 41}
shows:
{"hour": 2, "minute": 25, "second": 16}
